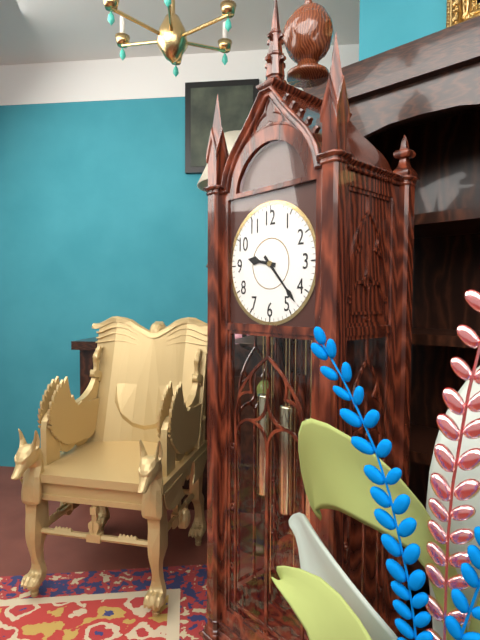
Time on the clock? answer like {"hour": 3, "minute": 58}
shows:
{"hour": 9, "minute": 23}
